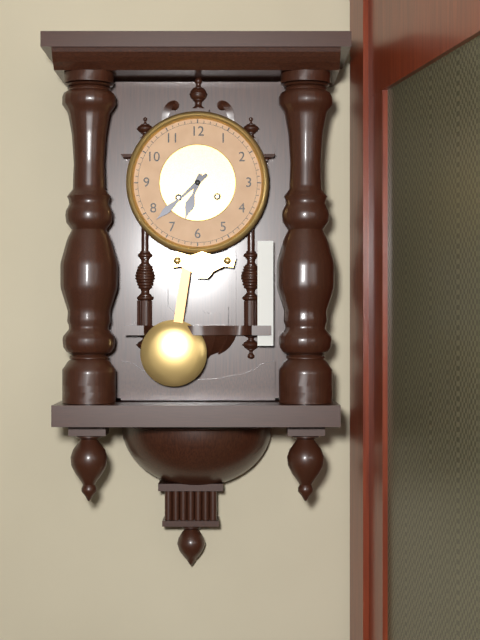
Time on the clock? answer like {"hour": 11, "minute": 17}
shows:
{"hour": 6, "minute": 38}
